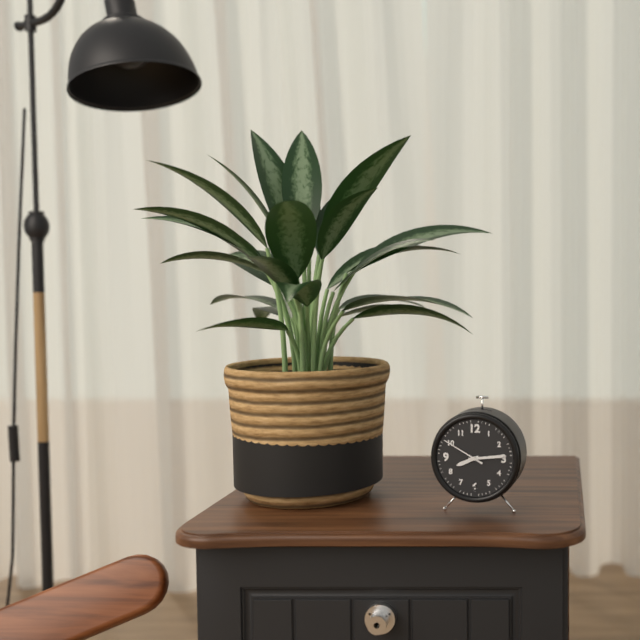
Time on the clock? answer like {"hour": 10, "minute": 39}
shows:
{"hour": 8, "minute": 14}
